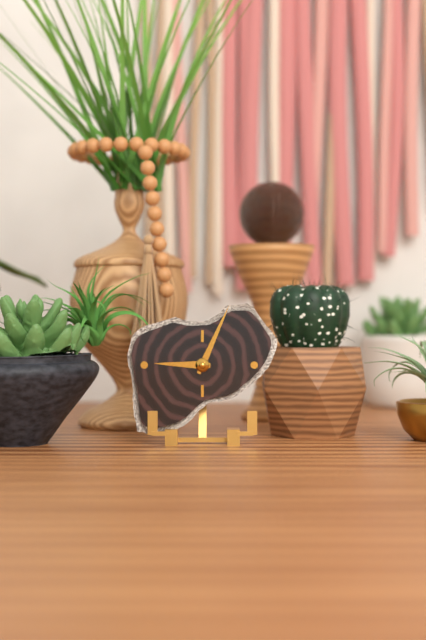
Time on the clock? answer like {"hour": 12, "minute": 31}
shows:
{"hour": 9, "minute": 4}
